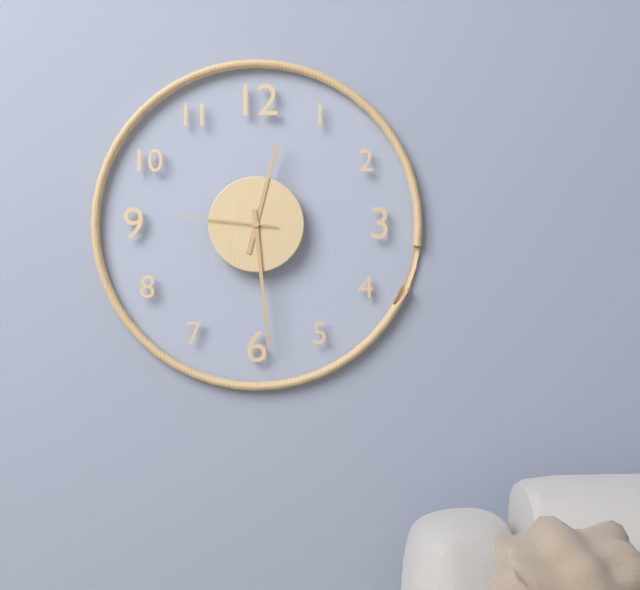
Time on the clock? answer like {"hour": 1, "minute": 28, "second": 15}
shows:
{"hour": 12, "minute": 29, "second": 46}
